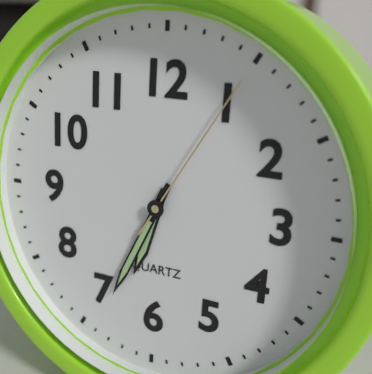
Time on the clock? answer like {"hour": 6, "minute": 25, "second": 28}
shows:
{"hour": 6, "minute": 34, "second": 5}
